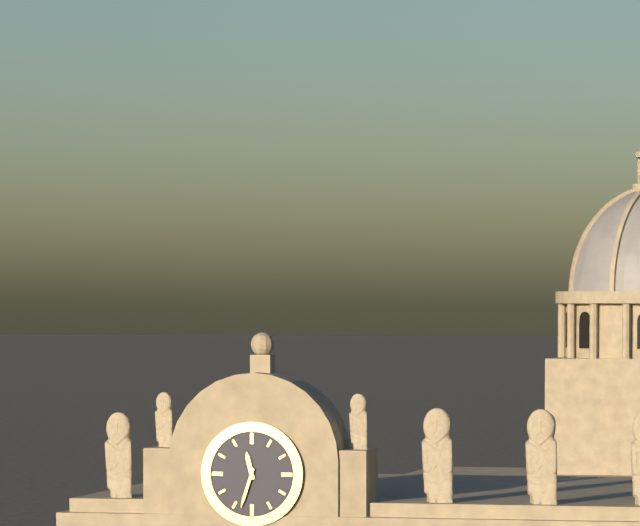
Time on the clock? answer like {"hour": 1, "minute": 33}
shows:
{"hour": 11, "minute": 33}
